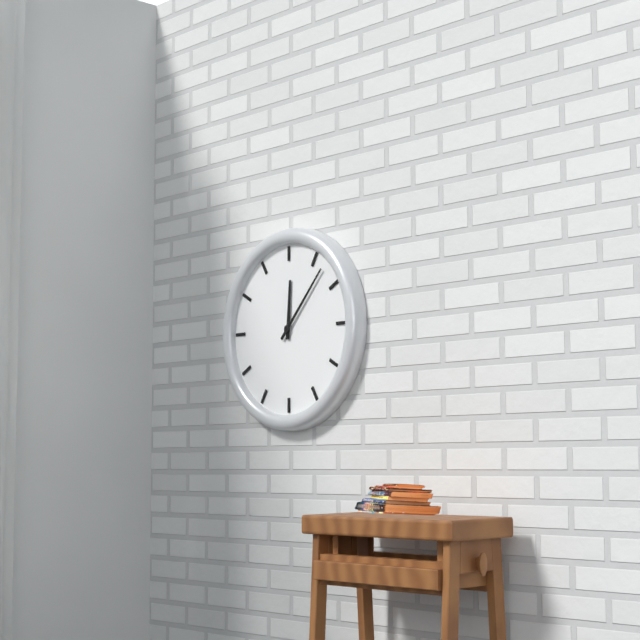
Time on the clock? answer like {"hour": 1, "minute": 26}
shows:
{"hour": 12, "minute": 7}
